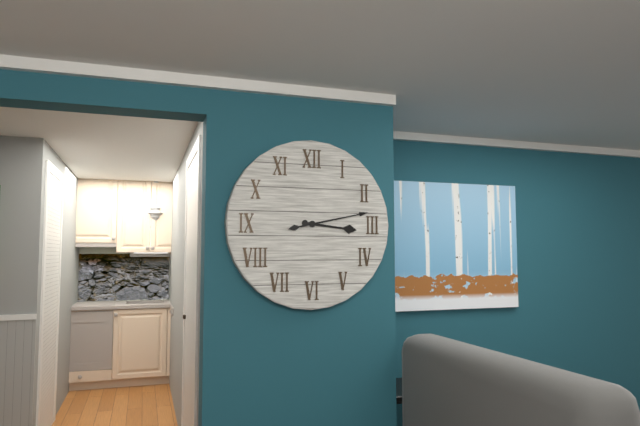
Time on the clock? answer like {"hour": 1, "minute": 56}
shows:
{"hour": 3, "minute": 13}
